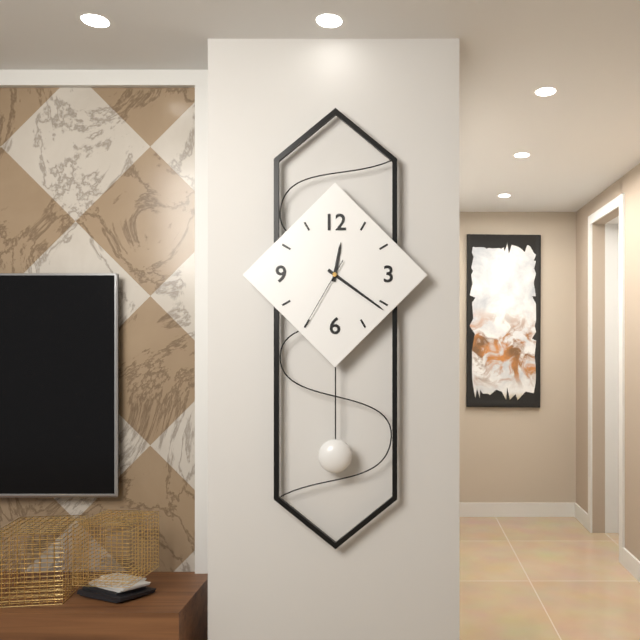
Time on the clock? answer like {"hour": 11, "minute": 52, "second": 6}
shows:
{"hour": 12, "minute": 21, "second": 35}
